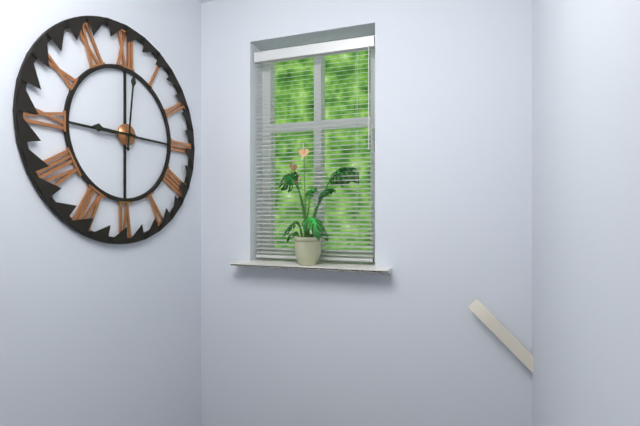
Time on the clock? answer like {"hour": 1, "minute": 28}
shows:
{"hour": 9, "minute": 1}
